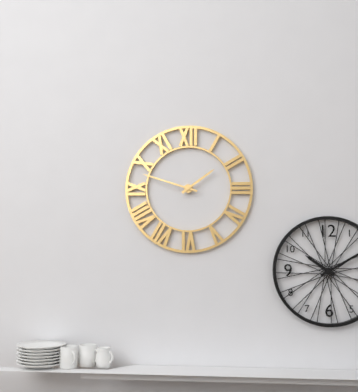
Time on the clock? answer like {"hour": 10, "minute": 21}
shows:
{"hour": 1, "minute": 48}
